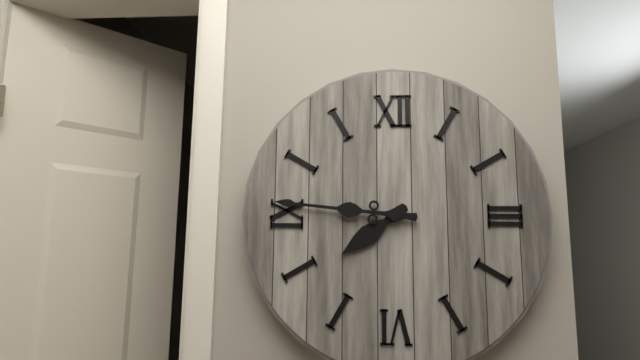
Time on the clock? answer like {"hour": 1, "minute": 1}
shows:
{"hour": 7, "minute": 46}
